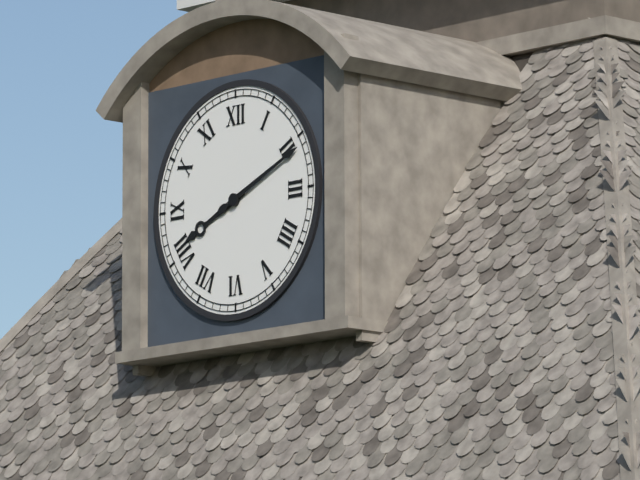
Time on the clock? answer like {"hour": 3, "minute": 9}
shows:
{"hour": 8, "minute": 11}
